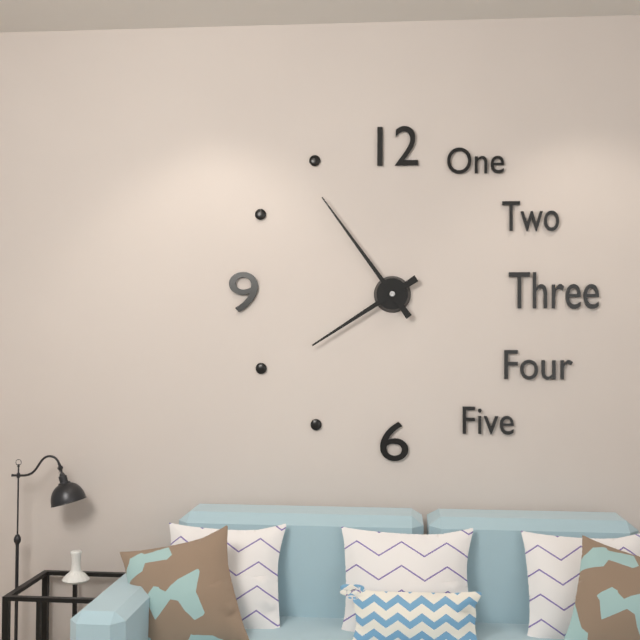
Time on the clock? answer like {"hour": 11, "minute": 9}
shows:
{"hour": 7, "minute": 54}
